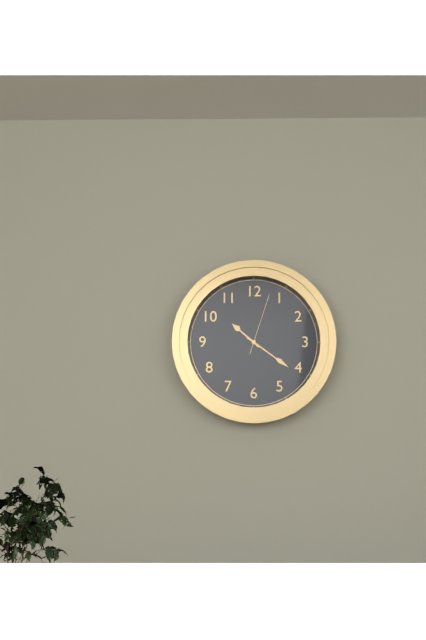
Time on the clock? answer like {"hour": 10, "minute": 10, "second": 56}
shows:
{"hour": 10, "minute": 21, "second": 3}
